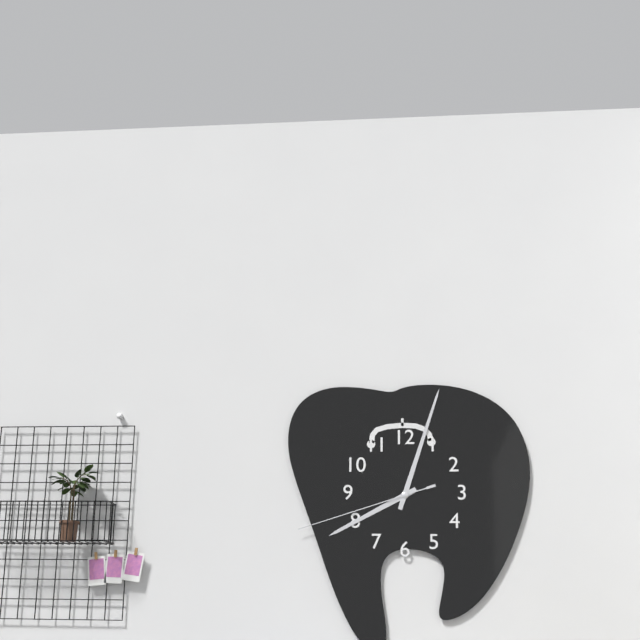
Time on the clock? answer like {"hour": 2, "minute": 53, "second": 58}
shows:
{"hour": 8, "minute": 3, "second": 42}
